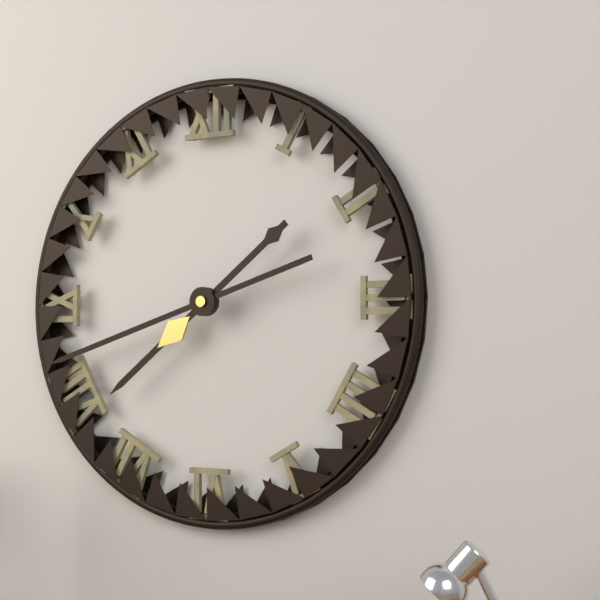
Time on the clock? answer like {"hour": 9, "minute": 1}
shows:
{"hour": 7, "minute": 42}
